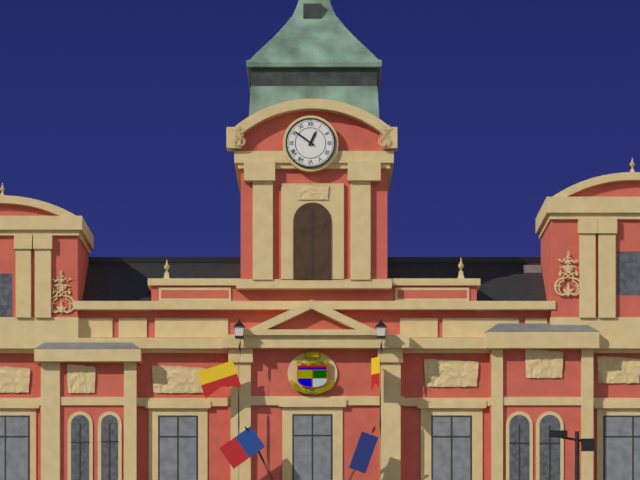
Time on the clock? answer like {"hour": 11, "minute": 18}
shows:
{"hour": 12, "minute": 51}
